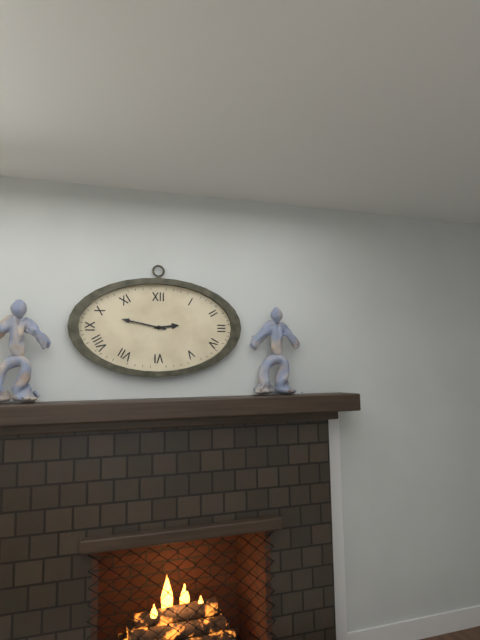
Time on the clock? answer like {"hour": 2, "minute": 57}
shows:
{"hour": 2, "minute": 47}
